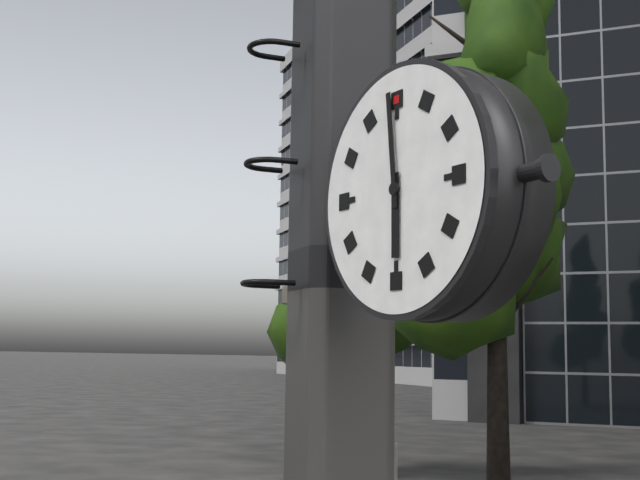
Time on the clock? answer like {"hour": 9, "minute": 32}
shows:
{"hour": 5, "minute": 59}
